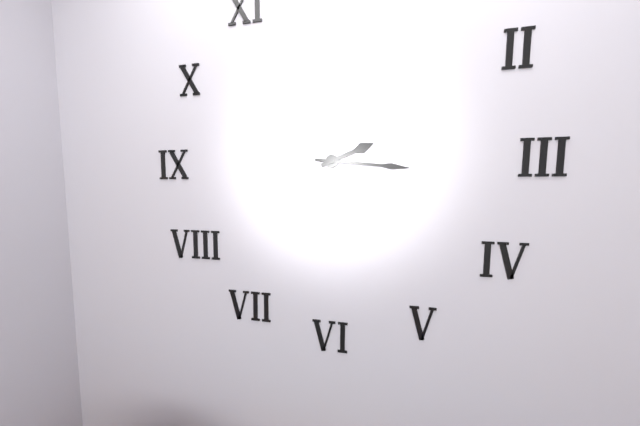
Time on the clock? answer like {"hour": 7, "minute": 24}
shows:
{"hour": 2, "minute": 16}
